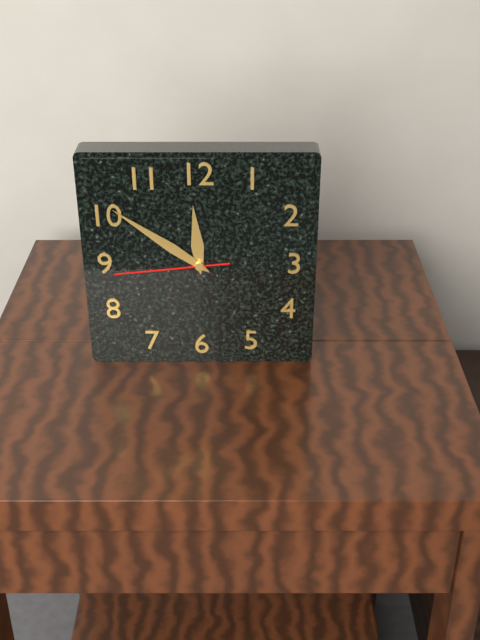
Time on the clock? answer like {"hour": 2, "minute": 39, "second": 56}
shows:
{"hour": 11, "minute": 51, "second": 44}
